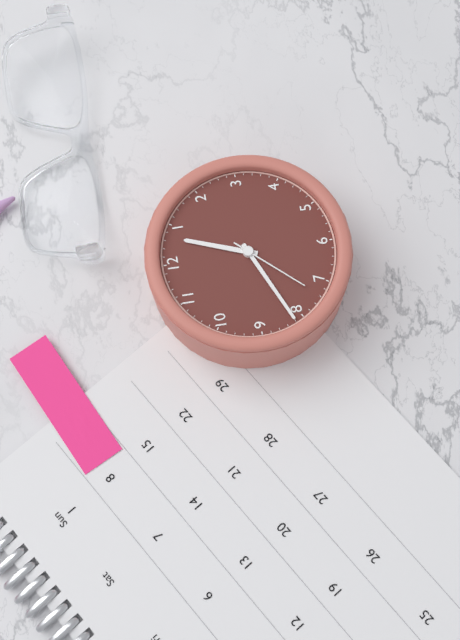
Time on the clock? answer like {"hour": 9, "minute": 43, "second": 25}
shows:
{"hour": 12, "minute": 41, "second": 37}
